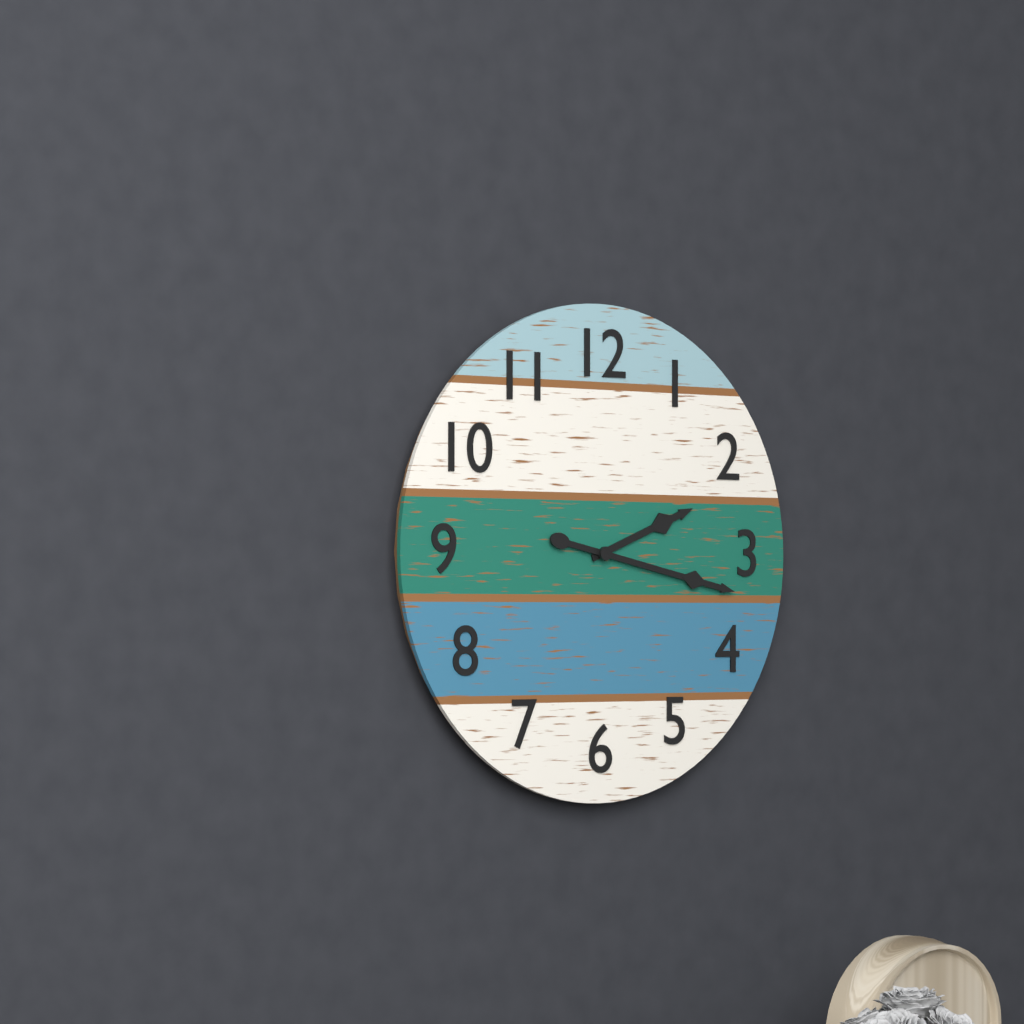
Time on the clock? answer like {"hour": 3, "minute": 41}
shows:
{"hour": 2, "minute": 17}
